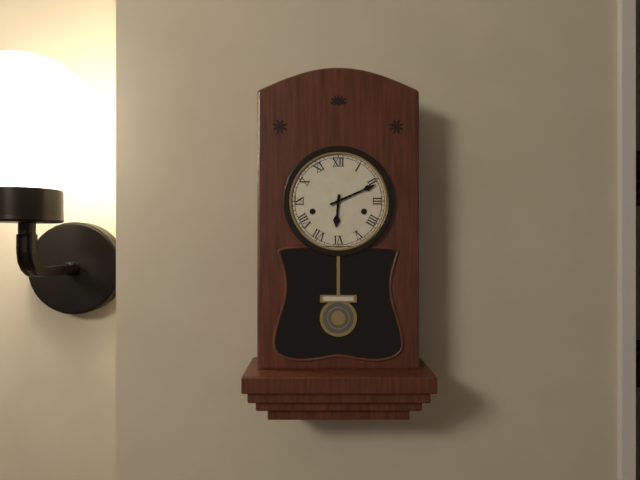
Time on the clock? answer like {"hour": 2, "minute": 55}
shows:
{"hour": 6, "minute": 11}
